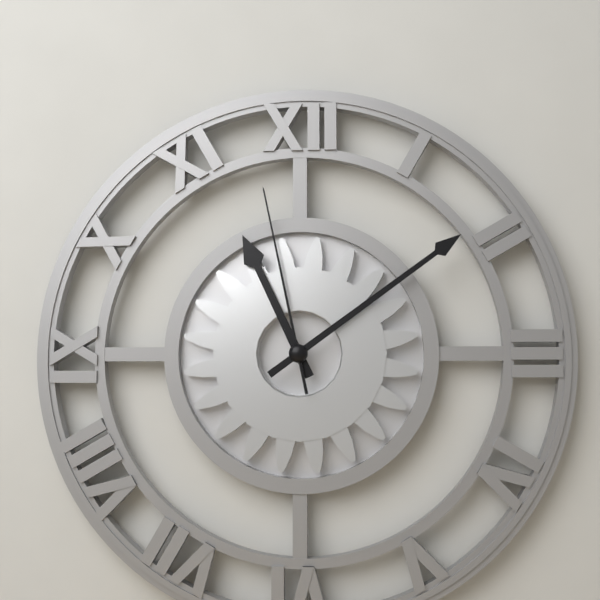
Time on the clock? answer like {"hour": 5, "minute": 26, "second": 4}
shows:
{"hour": 11, "minute": 9, "second": 58}
